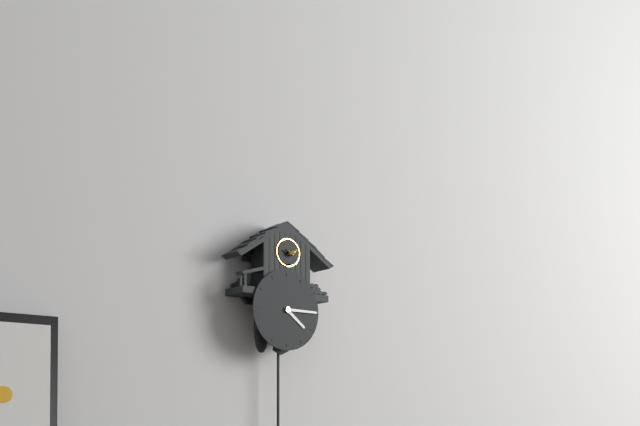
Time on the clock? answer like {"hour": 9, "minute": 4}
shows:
{"hour": 4, "minute": 15}
